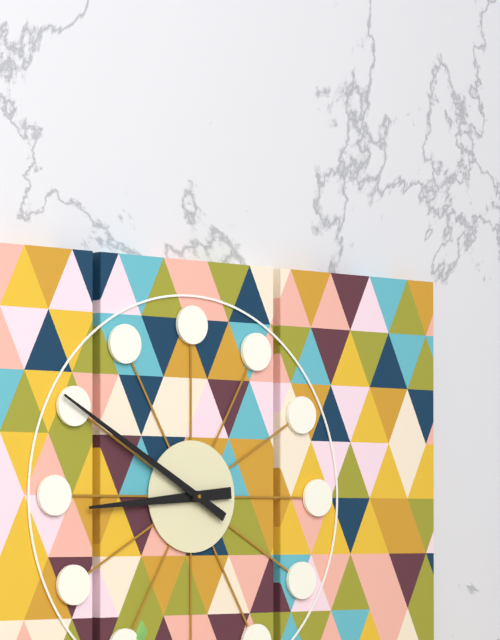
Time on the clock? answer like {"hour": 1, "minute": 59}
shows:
{"hour": 8, "minute": 50}
